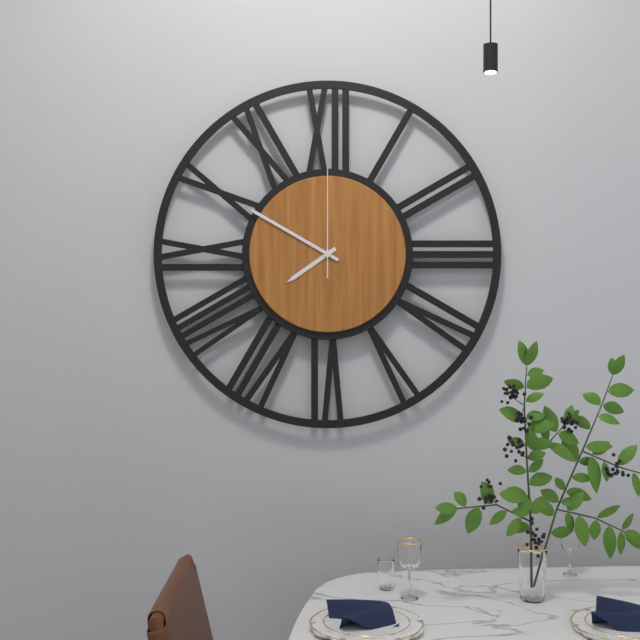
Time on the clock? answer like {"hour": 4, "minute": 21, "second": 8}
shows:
{"hour": 7, "minute": 50, "second": 0}
